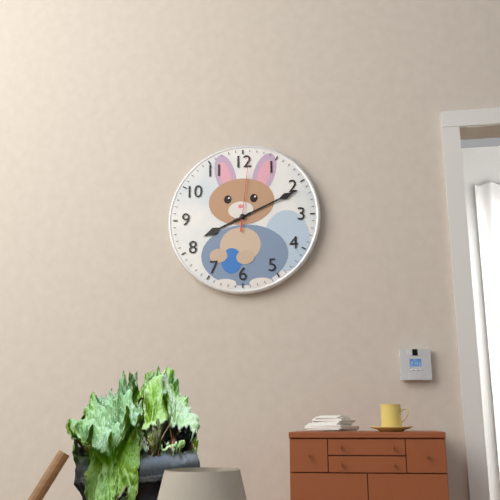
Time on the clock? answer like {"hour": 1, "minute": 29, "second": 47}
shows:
{"hour": 8, "minute": 11, "second": 1}
